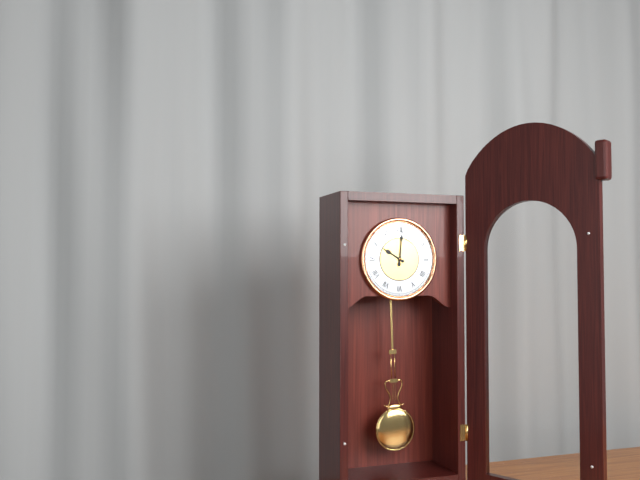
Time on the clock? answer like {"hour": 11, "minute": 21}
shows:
{"hour": 10, "minute": 1}
